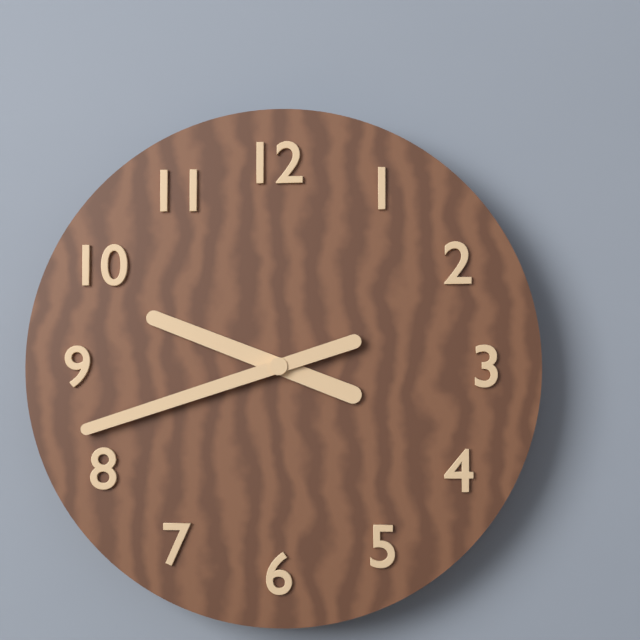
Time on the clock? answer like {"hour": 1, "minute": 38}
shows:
{"hour": 9, "minute": 42}
